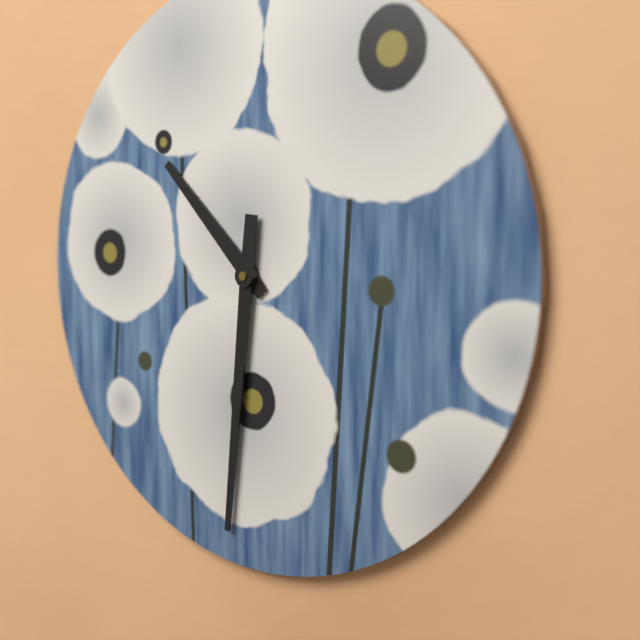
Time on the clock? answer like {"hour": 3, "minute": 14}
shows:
{"hour": 10, "minute": 31}
